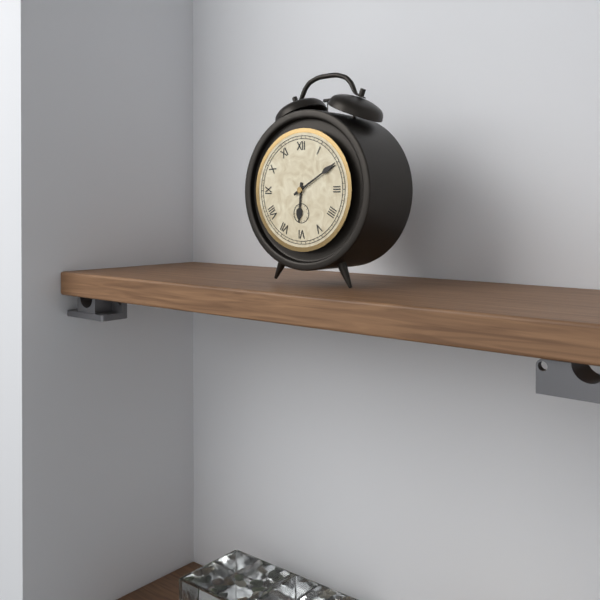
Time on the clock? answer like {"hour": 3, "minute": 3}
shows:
{"hour": 6, "minute": 10}
